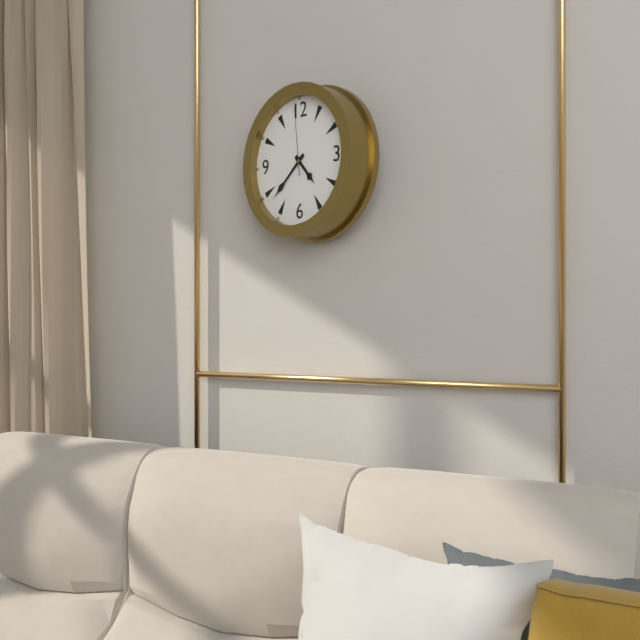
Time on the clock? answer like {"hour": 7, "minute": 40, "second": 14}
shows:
{"hour": 4, "minute": 38, "second": 59}
